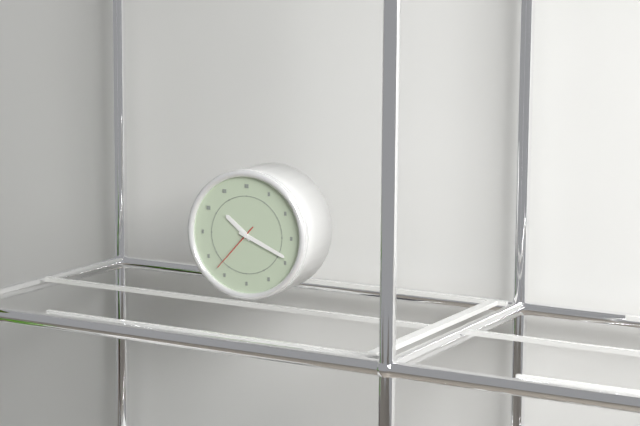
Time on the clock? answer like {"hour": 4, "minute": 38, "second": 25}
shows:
{"hour": 10, "minute": 19, "second": 37}
